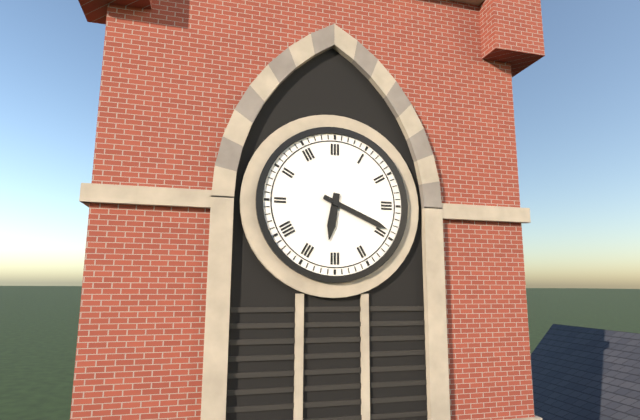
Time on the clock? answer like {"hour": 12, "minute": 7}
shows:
{"hour": 6, "minute": 19}
